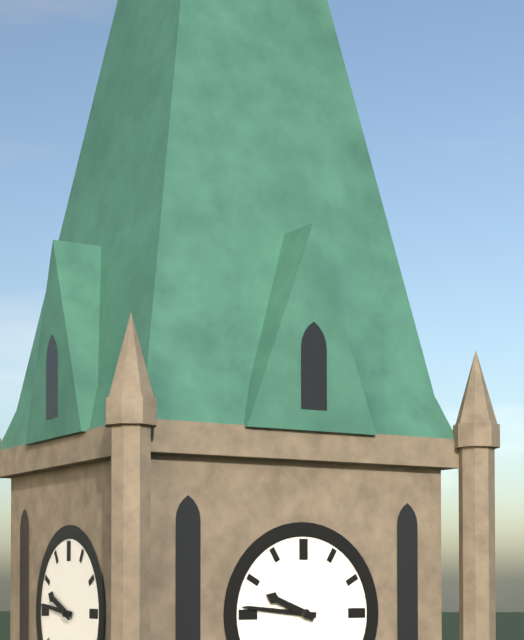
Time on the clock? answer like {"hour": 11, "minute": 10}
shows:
{"hour": 9, "minute": 46}
